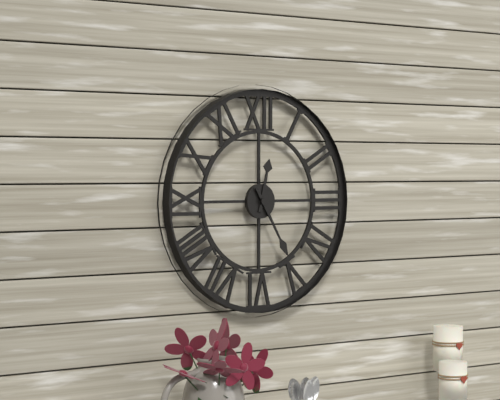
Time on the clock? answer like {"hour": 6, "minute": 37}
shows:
{"hour": 12, "minute": 25}
